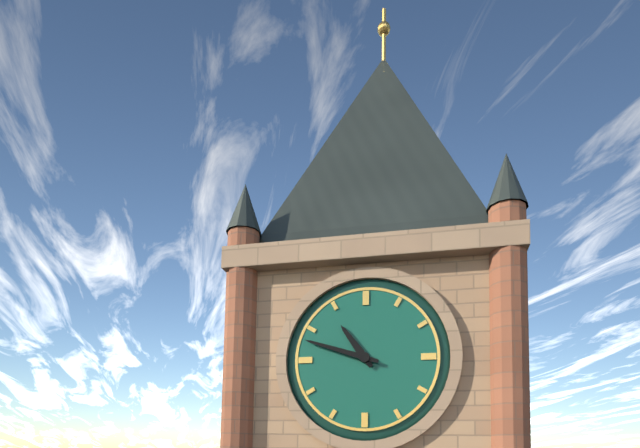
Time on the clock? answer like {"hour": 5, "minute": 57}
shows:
{"hour": 10, "minute": 48}
